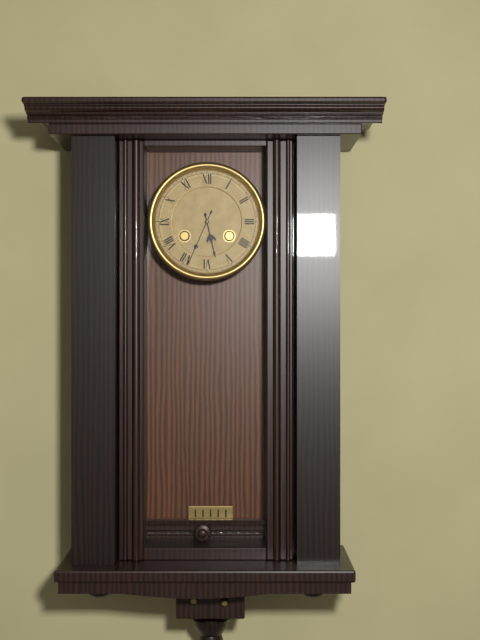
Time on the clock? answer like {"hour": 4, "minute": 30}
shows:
{"hour": 5, "minute": 34}
